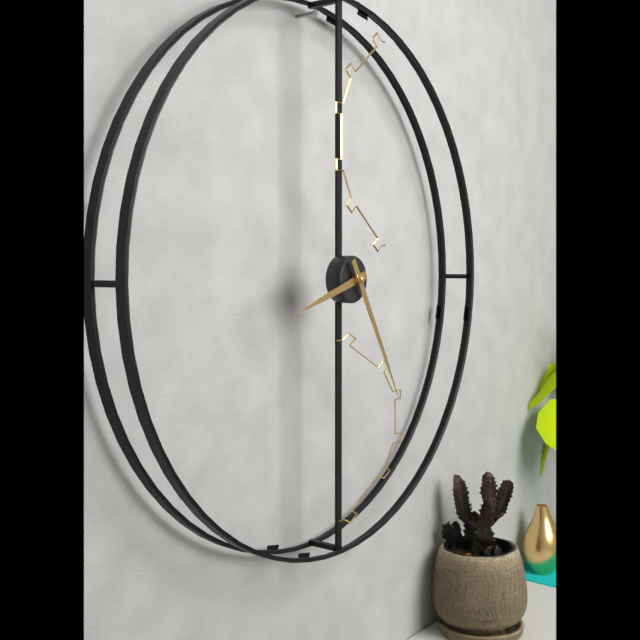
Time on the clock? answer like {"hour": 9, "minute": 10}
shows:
{"hour": 8, "minute": 25}
